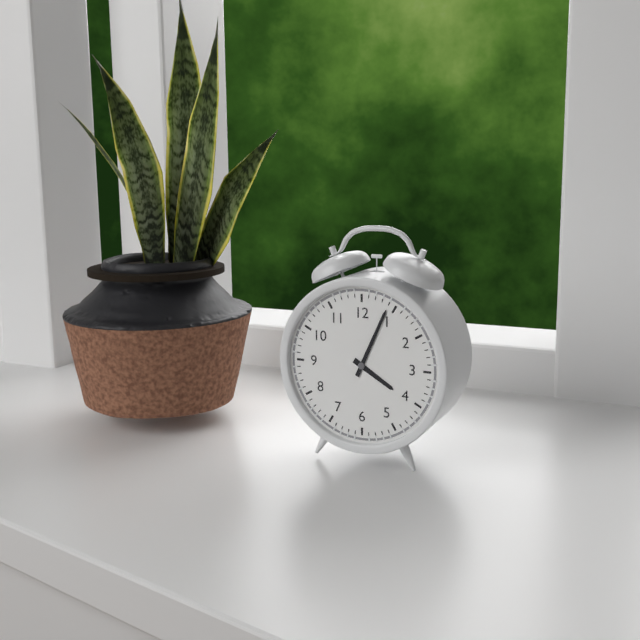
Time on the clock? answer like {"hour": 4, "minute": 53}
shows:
{"hour": 4, "minute": 4}
